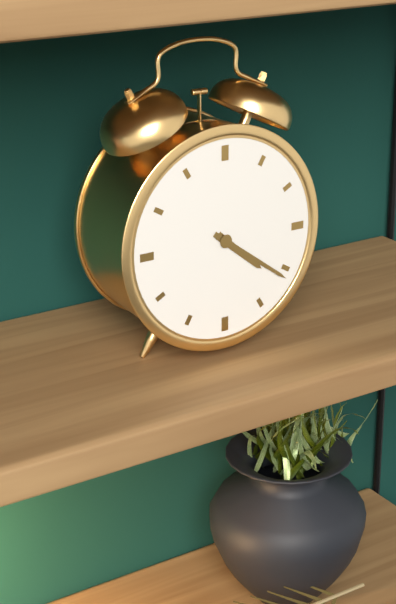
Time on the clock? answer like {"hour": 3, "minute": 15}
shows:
{"hour": 4, "minute": 21}
